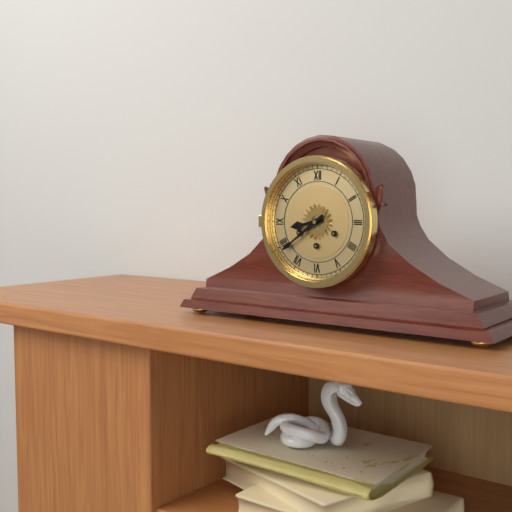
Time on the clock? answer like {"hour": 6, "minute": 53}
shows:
{"hour": 8, "minute": 39}
